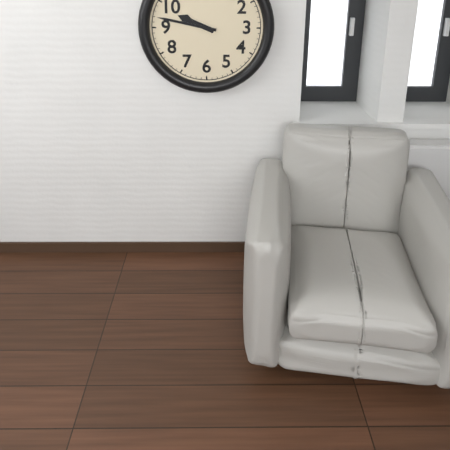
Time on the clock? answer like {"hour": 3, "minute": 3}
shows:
{"hour": 9, "minute": 47}
